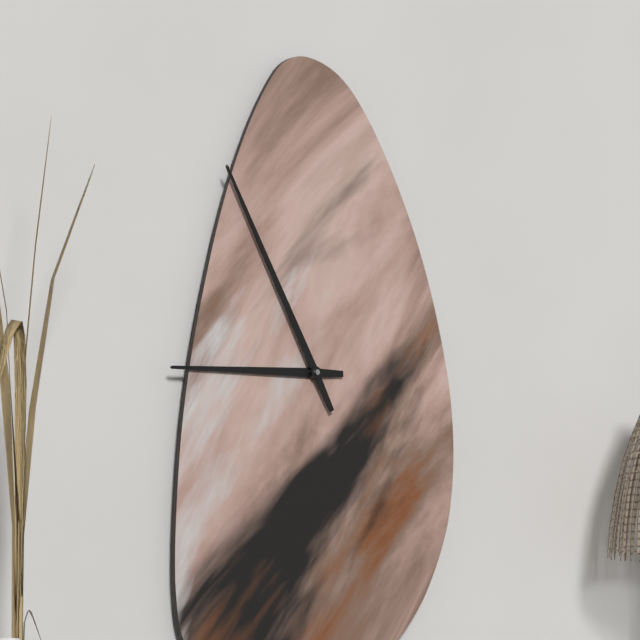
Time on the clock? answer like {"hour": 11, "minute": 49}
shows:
{"hour": 8, "minute": 55}
